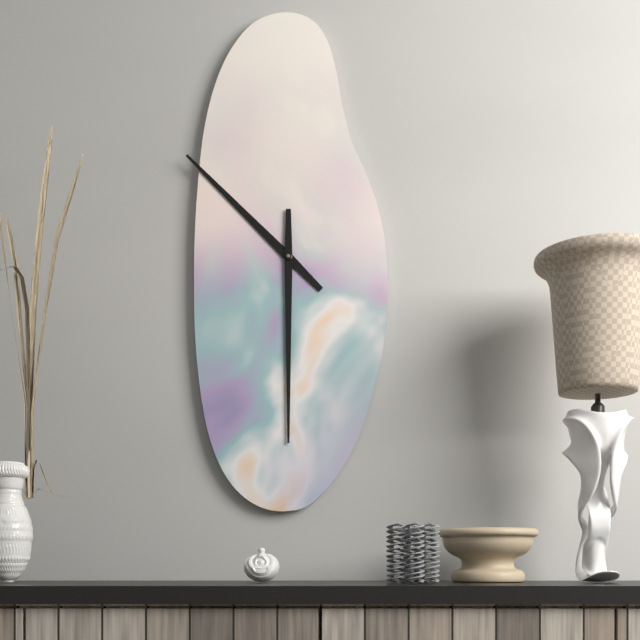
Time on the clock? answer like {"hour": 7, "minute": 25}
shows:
{"hour": 10, "minute": 30}
